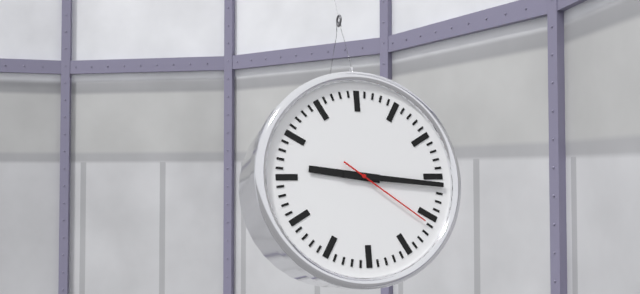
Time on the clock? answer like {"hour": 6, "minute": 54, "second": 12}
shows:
{"hour": 9, "minute": 16, "second": 21}
